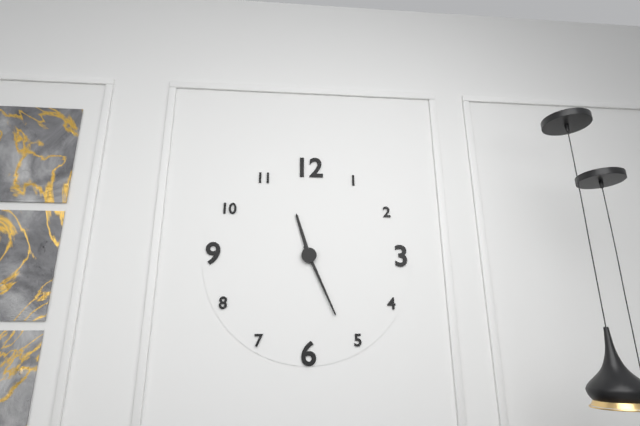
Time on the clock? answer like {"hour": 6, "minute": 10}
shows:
{"hour": 11, "minute": 26}
